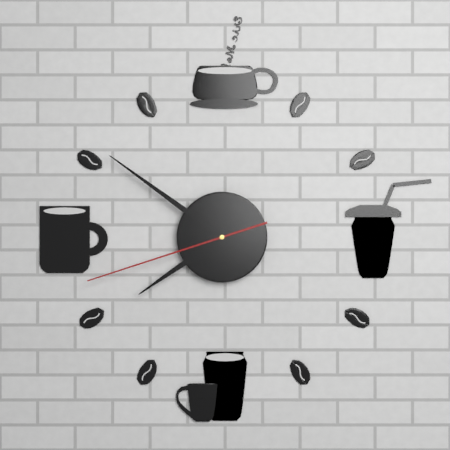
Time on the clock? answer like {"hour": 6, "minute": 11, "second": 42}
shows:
{"hour": 7, "minute": 51, "second": 42}
